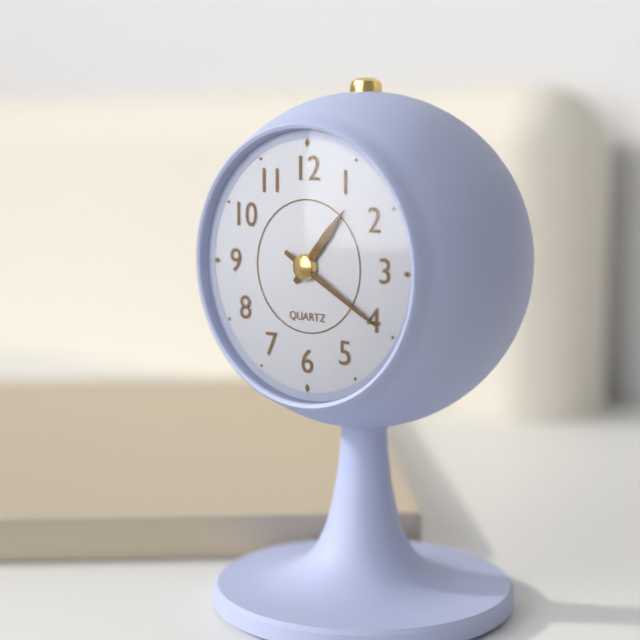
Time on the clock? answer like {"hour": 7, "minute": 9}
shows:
{"hour": 1, "minute": 20}
